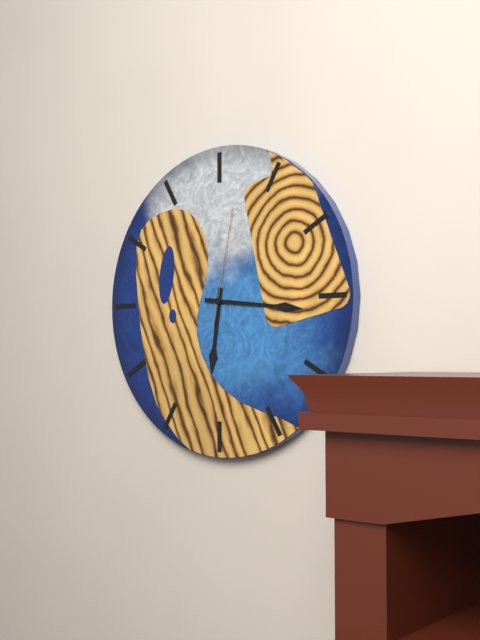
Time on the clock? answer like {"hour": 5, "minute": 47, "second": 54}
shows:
{"hour": 6, "minute": 16, "second": 2}
